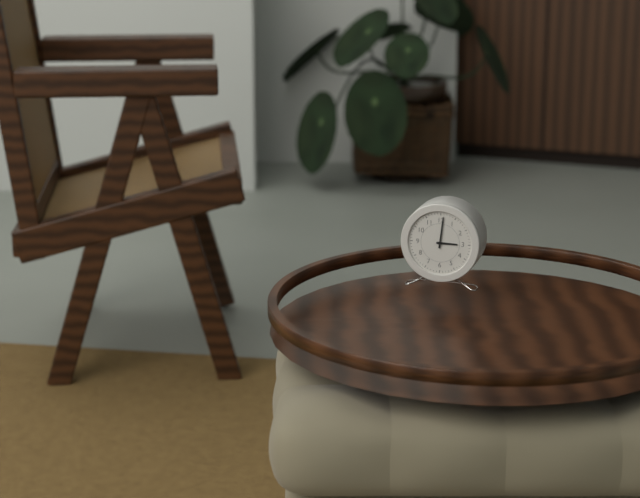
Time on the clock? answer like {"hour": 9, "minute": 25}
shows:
{"hour": 3, "minute": 1}
